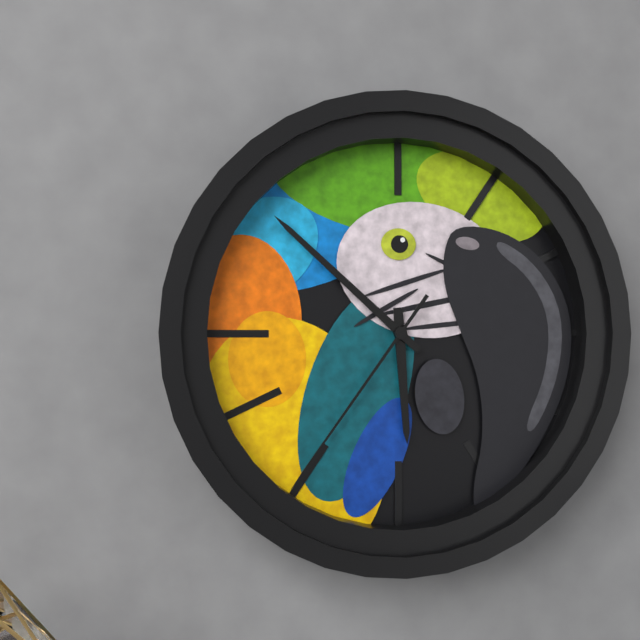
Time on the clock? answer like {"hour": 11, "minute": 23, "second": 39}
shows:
{"hour": 5, "minute": 52, "second": 36}
